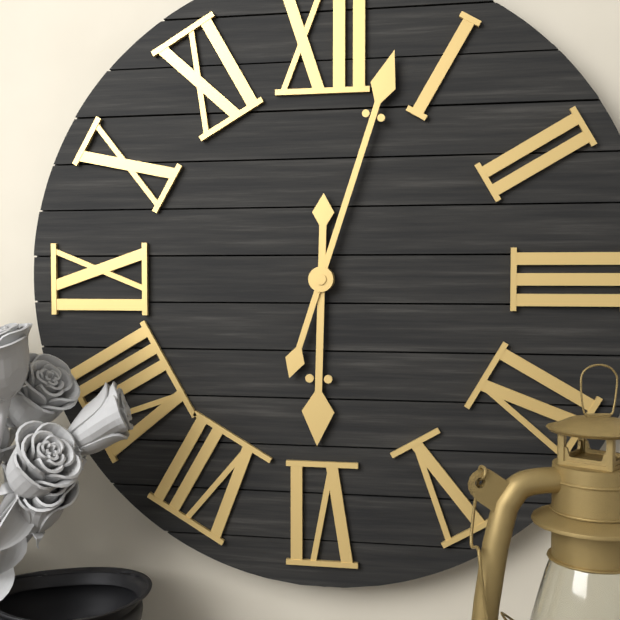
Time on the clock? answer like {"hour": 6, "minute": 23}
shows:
{"hour": 6, "minute": 3}
